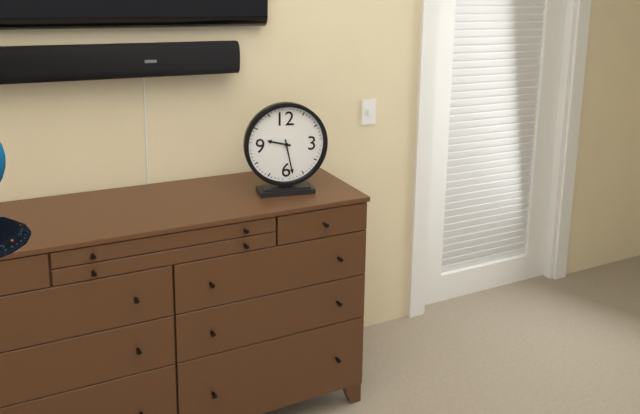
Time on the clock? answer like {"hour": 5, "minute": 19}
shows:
{"hour": 9, "minute": 28}
